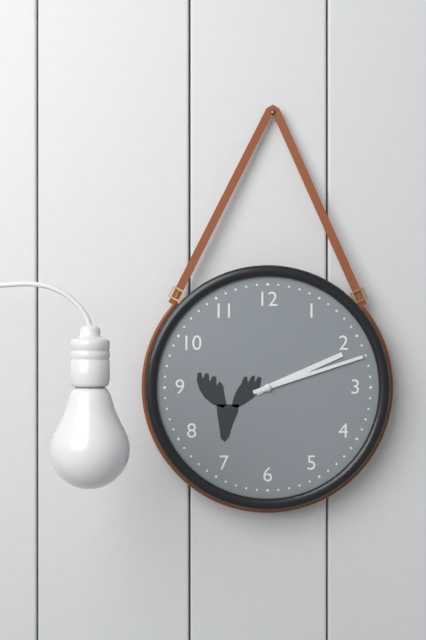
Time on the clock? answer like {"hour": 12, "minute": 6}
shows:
{"hour": 2, "minute": 12}
